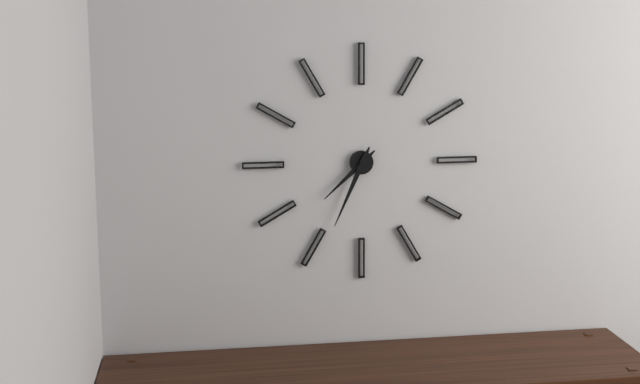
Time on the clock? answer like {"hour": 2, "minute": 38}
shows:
{"hour": 7, "minute": 34}
